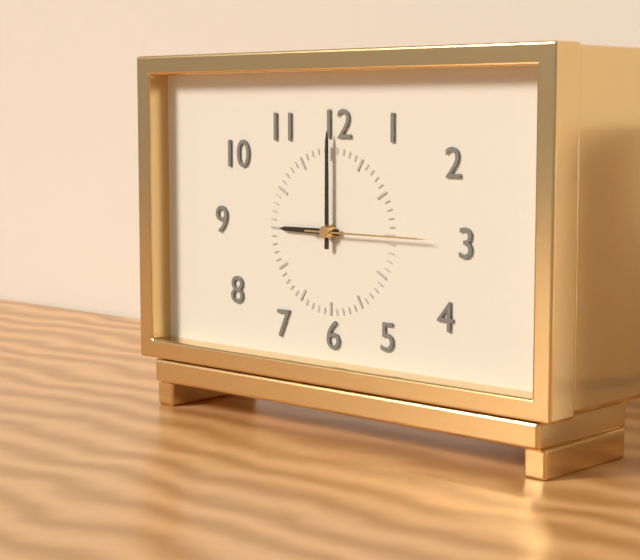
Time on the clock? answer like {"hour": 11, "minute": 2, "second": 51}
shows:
{"hour": 9, "minute": 0, "second": 15}
